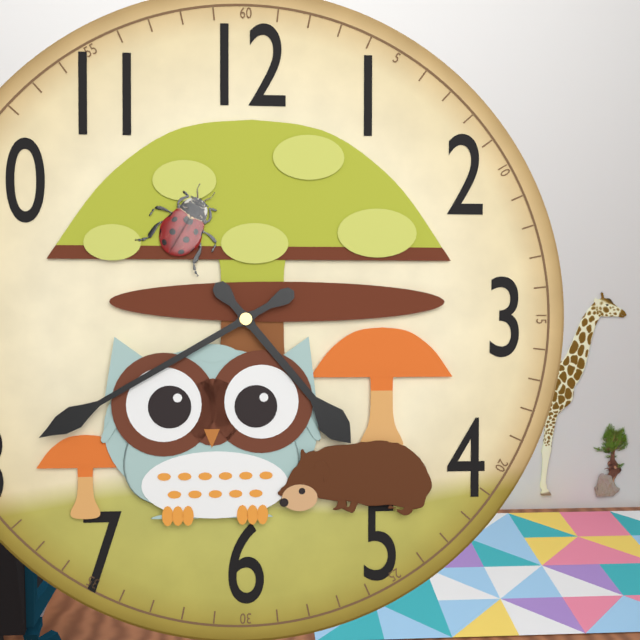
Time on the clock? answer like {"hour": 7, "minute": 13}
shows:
{"hour": 4, "minute": 40}
